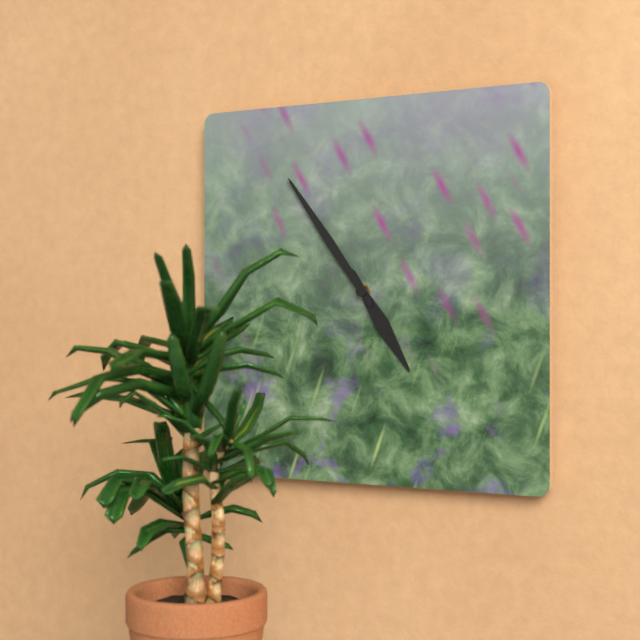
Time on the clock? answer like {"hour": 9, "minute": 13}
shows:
{"hour": 4, "minute": 54}
